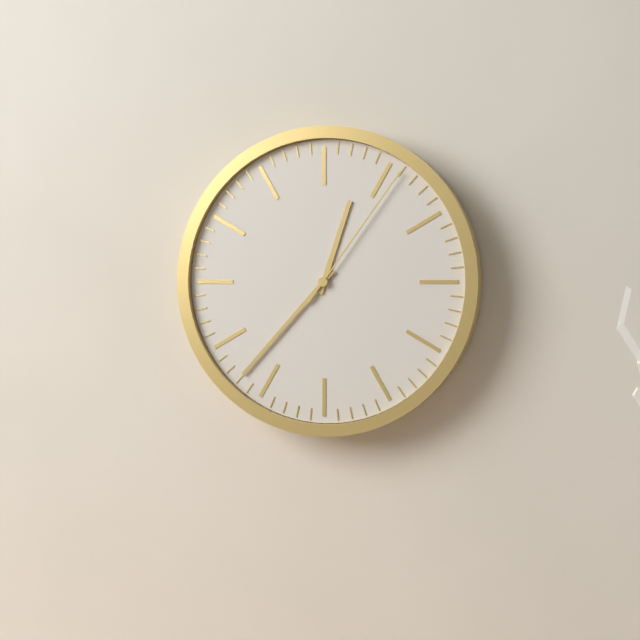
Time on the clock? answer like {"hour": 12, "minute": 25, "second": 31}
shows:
{"hour": 12, "minute": 37, "second": 6}
